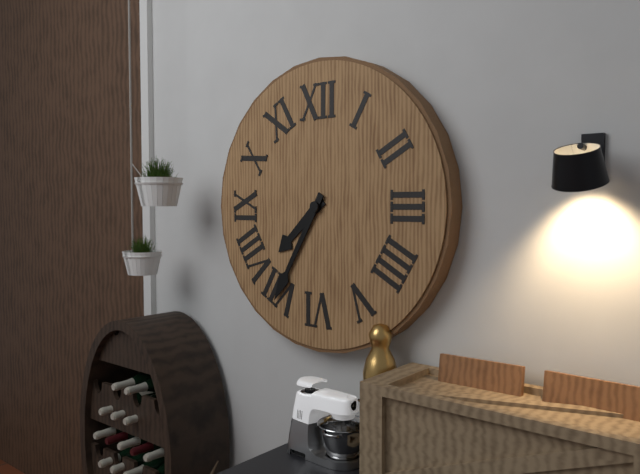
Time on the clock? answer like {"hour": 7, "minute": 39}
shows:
{"hour": 7, "minute": 35}
